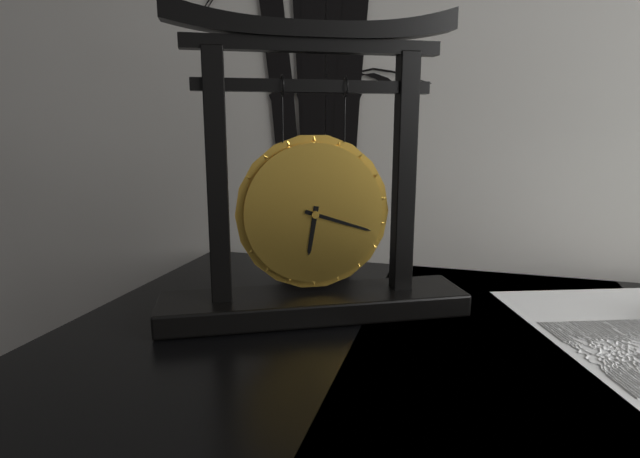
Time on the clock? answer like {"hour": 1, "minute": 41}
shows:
{"hour": 6, "minute": 18}
